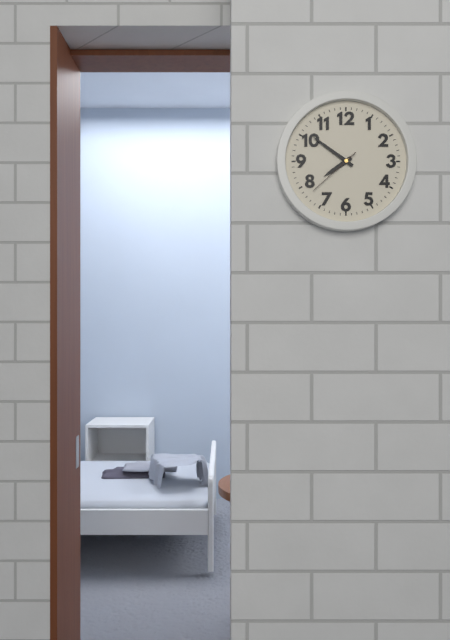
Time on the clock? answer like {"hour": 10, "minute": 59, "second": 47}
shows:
{"hour": 7, "minute": 51, "second": 38}
